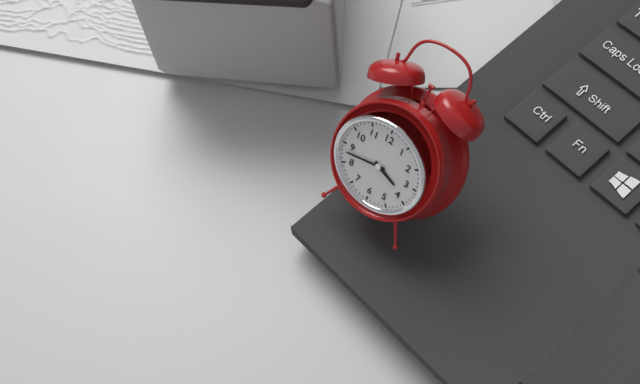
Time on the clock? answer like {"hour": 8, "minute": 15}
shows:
{"hour": 3, "minute": 43}
